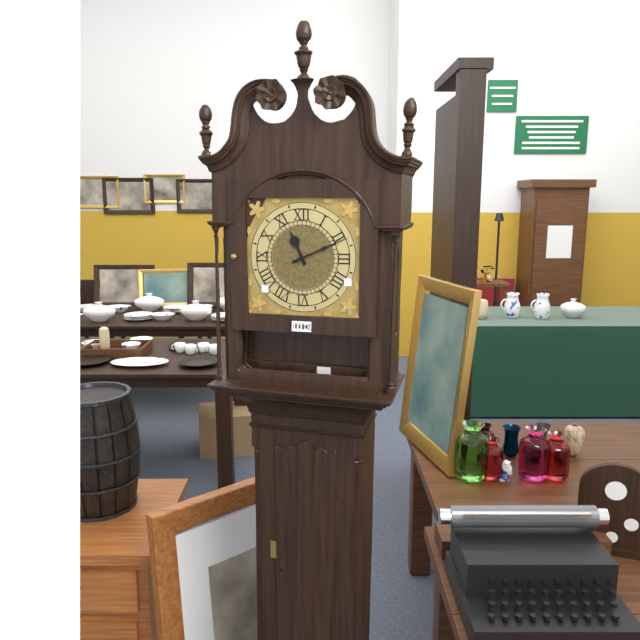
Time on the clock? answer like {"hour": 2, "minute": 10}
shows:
{"hour": 11, "minute": 11}
